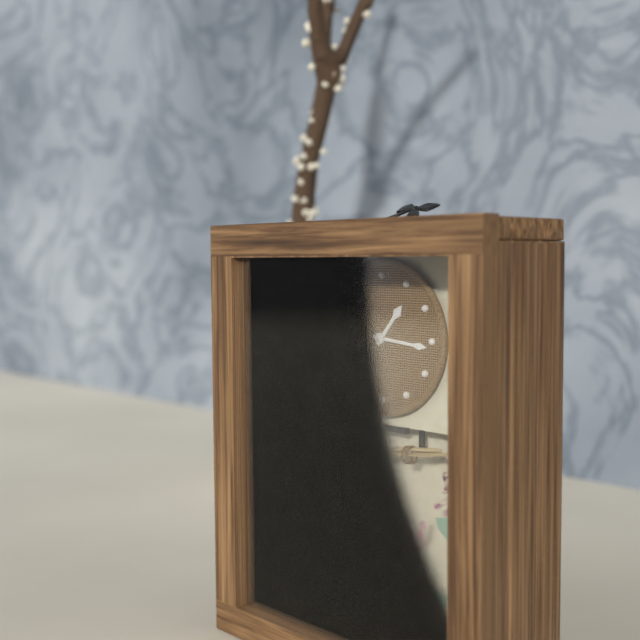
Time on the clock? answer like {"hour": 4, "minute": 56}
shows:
{"hour": 1, "minute": 16}
